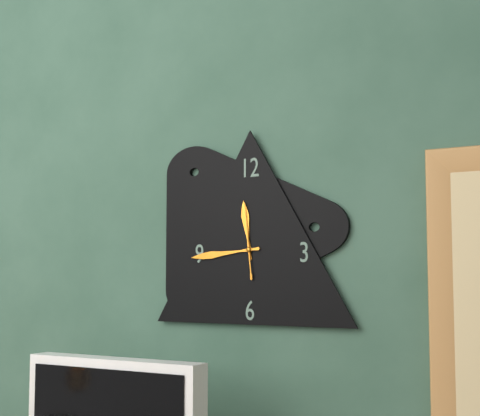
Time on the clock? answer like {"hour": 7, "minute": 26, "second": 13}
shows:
{"hour": 11, "minute": 44, "second": 59}
